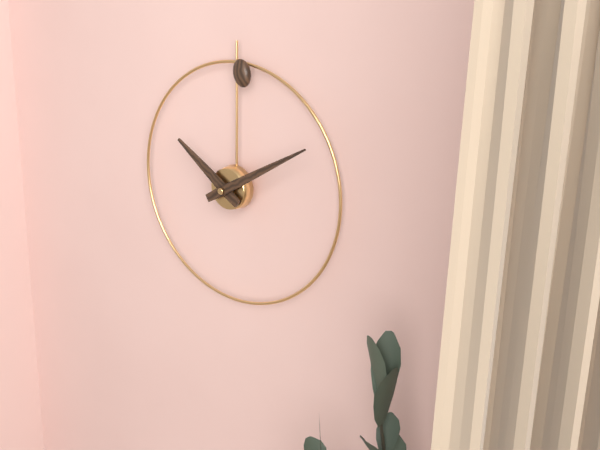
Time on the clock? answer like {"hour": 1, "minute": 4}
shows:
{"hour": 10, "minute": 10}
